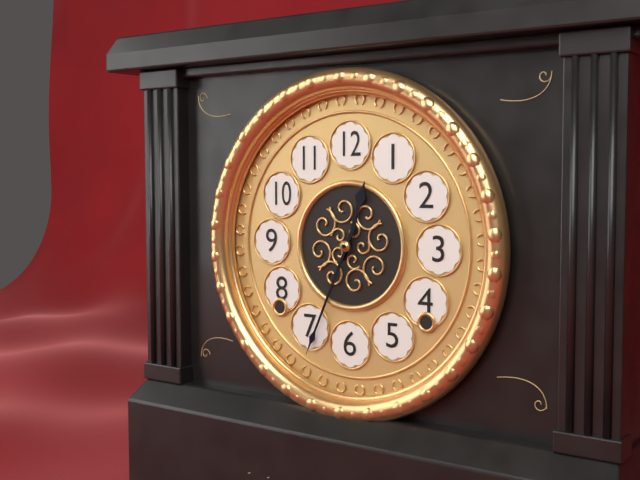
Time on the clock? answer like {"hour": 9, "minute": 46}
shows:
{"hour": 12, "minute": 34}
